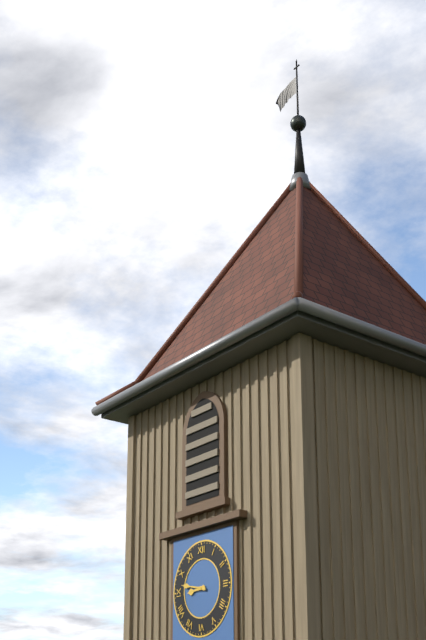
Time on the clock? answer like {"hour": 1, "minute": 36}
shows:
{"hour": 8, "minute": 47}
